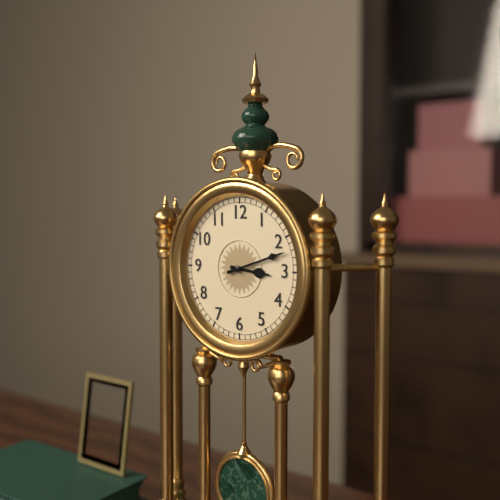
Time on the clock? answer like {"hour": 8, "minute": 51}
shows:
{"hour": 3, "minute": 12}
